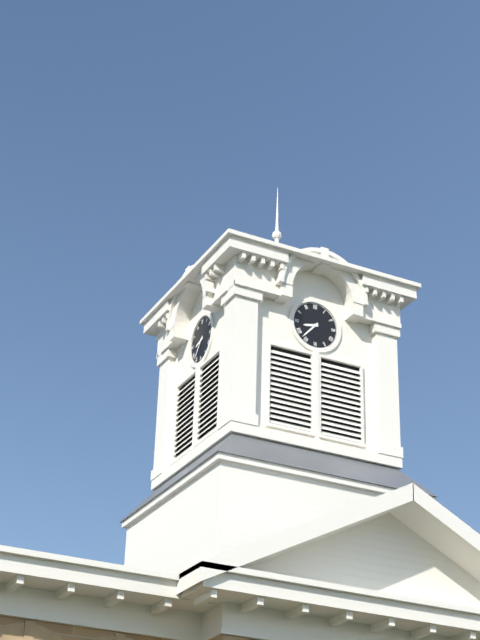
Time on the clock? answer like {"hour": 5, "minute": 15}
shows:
{"hour": 8, "minute": 37}
